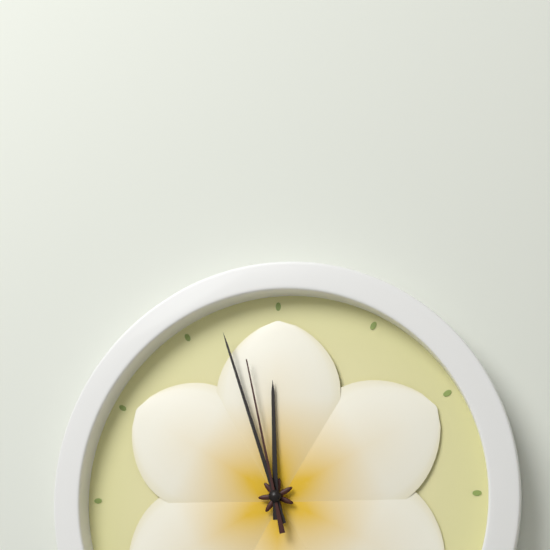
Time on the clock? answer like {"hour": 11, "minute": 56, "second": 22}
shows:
{"hour": 11, "minute": 57, "second": 58}
